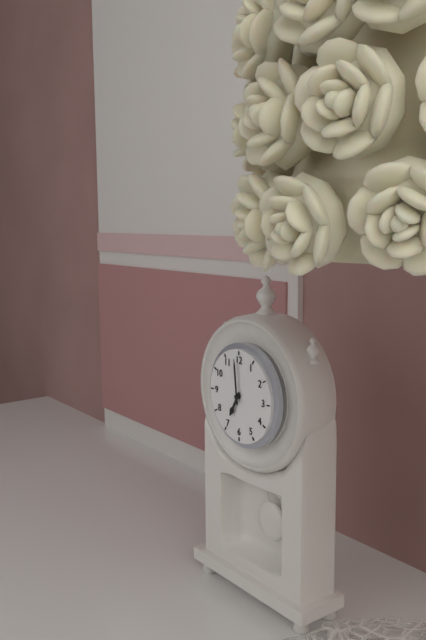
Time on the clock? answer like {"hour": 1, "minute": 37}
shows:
{"hour": 6, "minute": 59}
